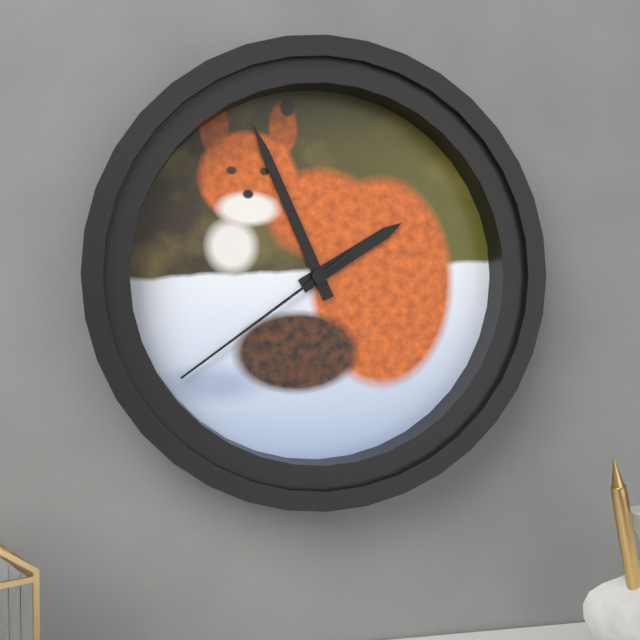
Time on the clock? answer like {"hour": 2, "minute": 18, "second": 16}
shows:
{"hour": 1, "minute": 56, "second": 39}
